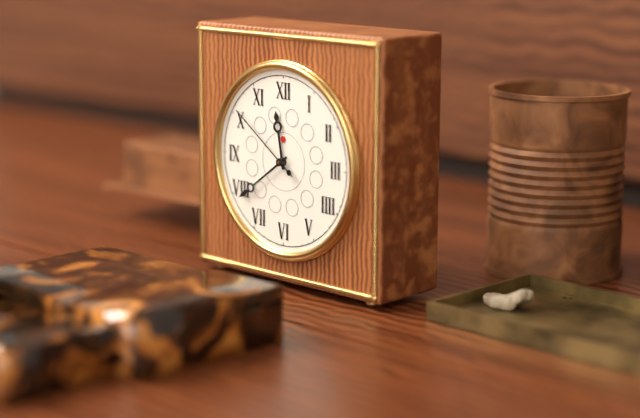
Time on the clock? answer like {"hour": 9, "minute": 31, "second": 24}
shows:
{"hour": 11, "minute": 39, "second": 51}
